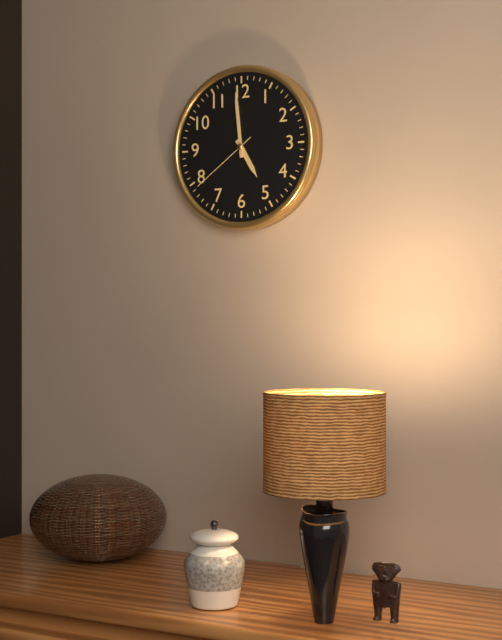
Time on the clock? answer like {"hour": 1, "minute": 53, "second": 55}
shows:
{"hour": 4, "minute": 59, "second": 39}
